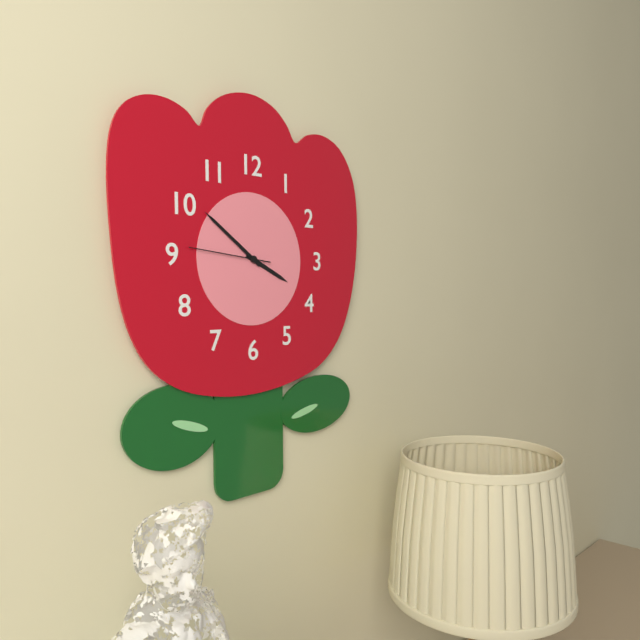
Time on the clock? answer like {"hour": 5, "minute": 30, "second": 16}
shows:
{"hour": 3, "minute": 51, "second": 46}
